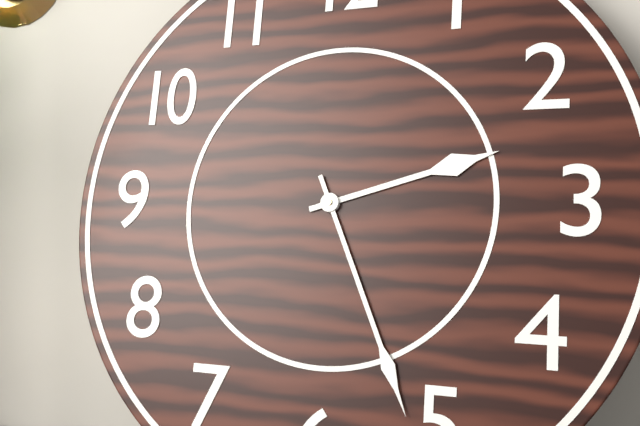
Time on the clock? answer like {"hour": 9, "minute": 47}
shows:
{"hour": 2, "minute": 26}
